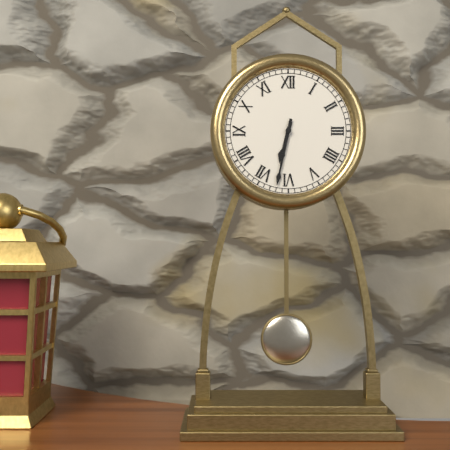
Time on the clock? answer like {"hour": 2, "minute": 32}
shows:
{"hour": 6, "minute": 32}
